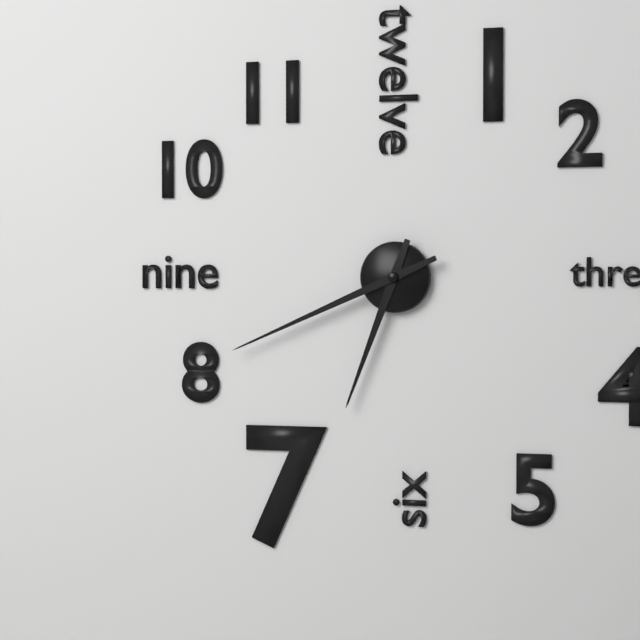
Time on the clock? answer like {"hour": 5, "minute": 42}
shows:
{"hour": 6, "minute": 41}
